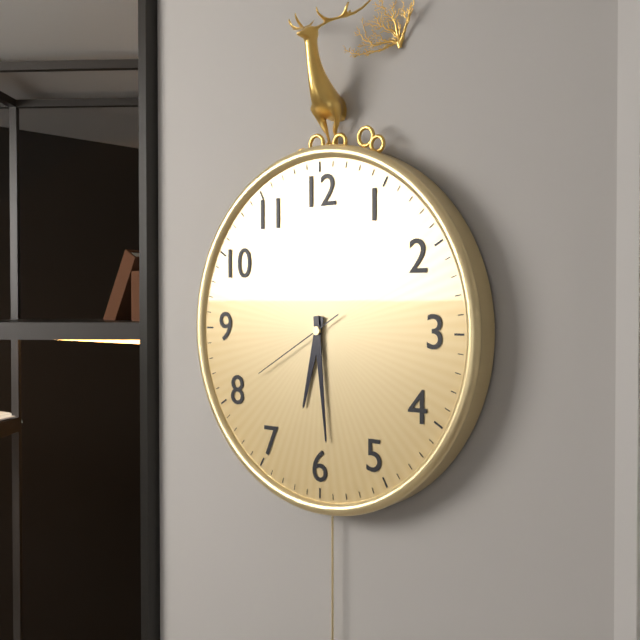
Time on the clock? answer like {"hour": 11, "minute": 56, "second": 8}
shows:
{"hour": 6, "minute": 29, "second": 40}
